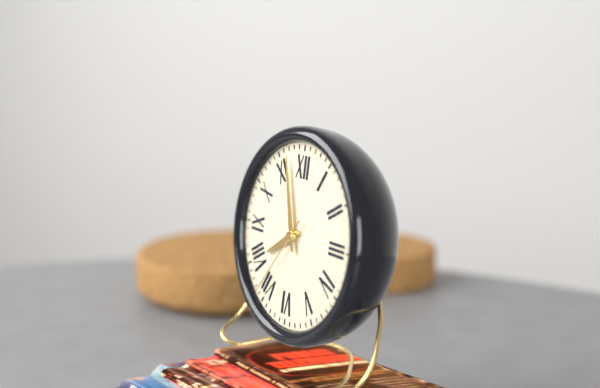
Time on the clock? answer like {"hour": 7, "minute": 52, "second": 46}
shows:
{"hour": 7, "minute": 57, "second": 36}
